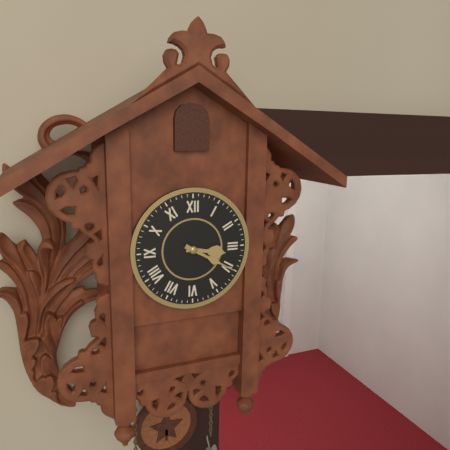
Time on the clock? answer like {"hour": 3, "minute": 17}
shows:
{"hour": 3, "minute": 20}
